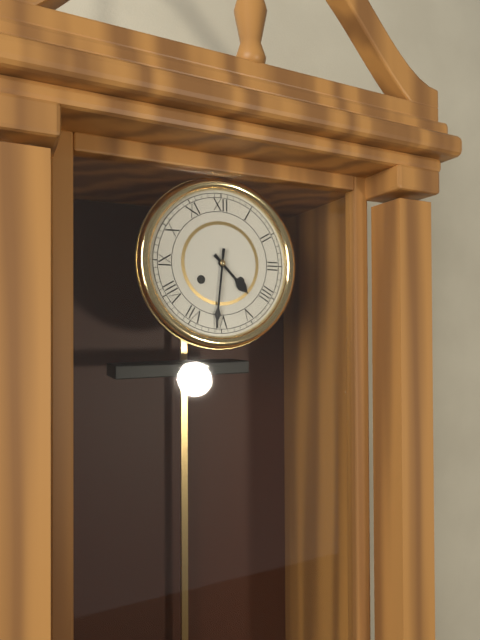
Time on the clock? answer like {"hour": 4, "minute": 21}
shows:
{"hour": 4, "minute": 31}
